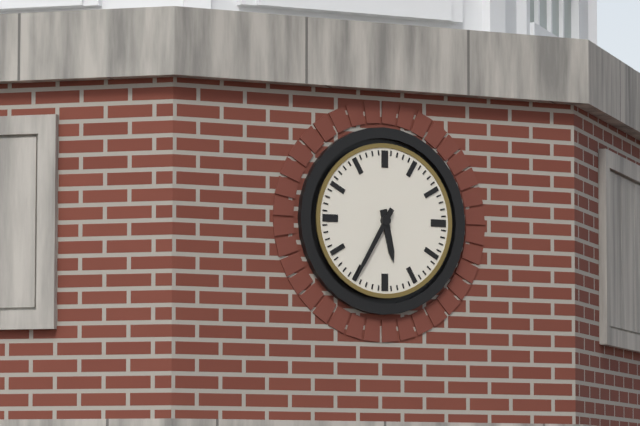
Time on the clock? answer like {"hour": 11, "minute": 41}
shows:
{"hour": 5, "minute": 35}
